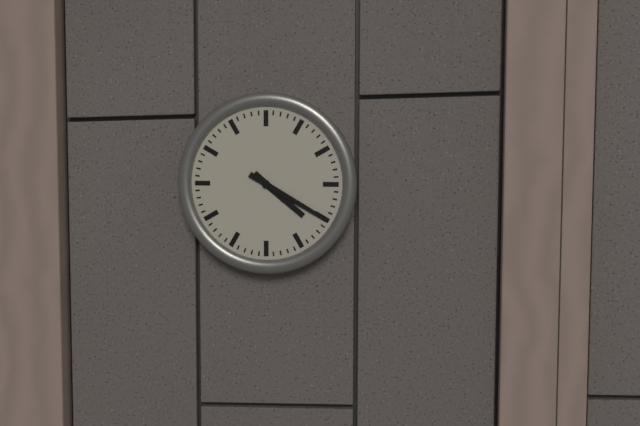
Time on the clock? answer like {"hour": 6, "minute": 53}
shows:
{"hour": 4, "minute": 20}
